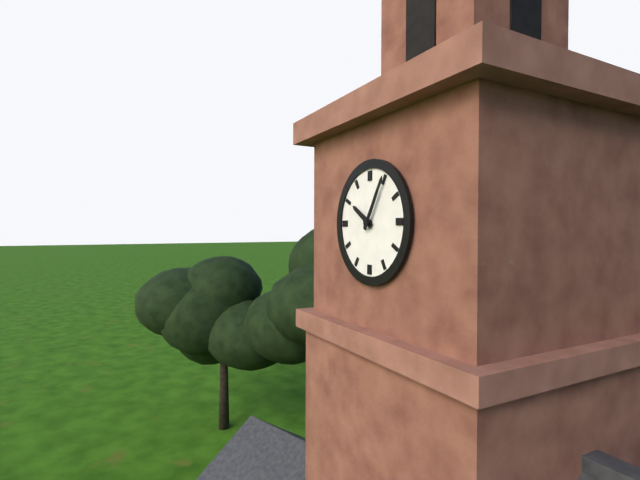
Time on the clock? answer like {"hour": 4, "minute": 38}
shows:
{"hour": 10, "minute": 5}
